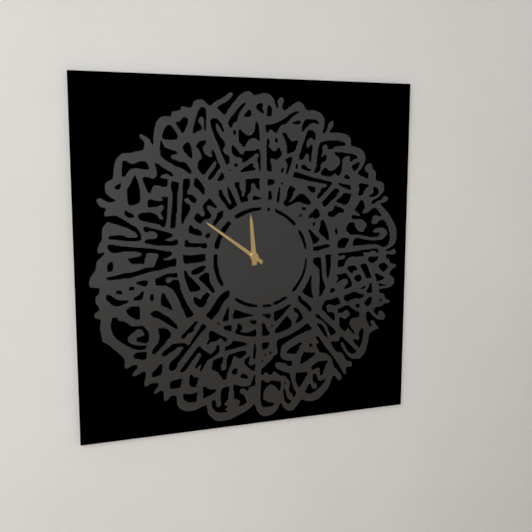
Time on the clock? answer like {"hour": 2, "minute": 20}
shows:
{"hour": 11, "minute": 51}
